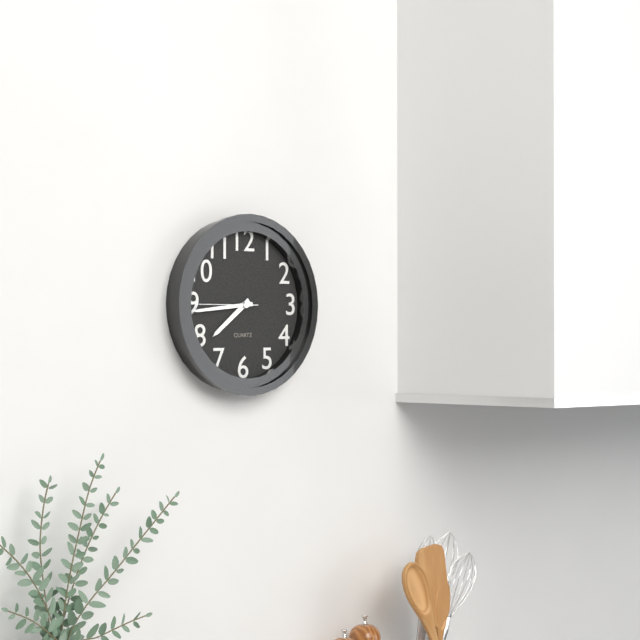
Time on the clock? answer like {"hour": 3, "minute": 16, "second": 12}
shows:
{"hour": 7, "minute": 44, "second": 45}
